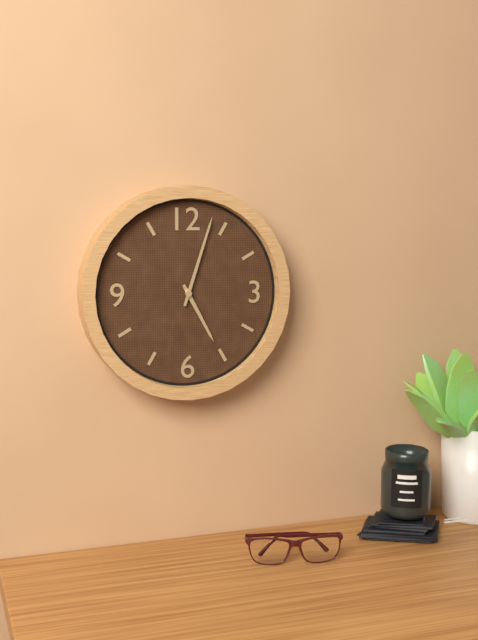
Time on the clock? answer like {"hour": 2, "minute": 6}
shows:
{"hour": 5, "minute": 3}
